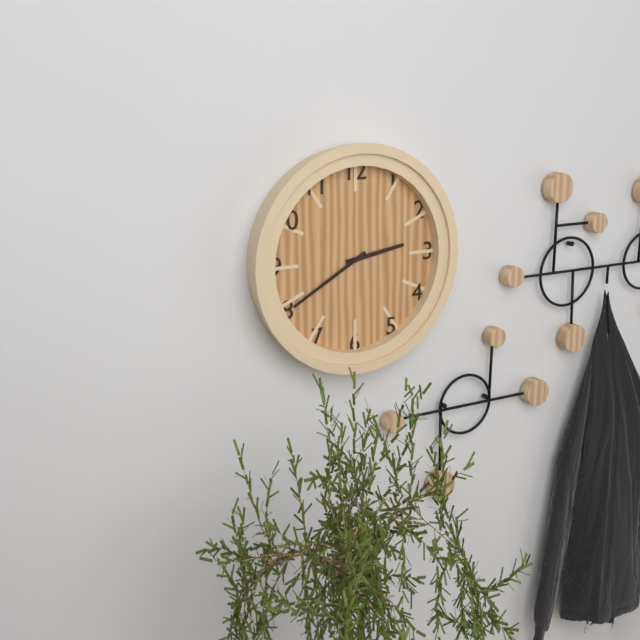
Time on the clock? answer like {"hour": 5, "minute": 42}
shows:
{"hour": 2, "minute": 40}
